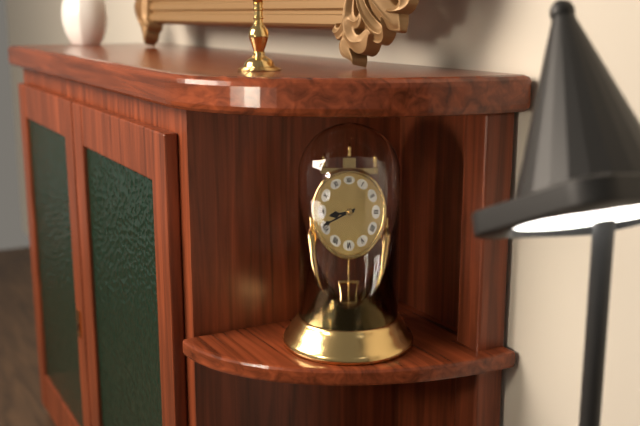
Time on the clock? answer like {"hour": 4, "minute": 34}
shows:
{"hour": 8, "minute": 41}
